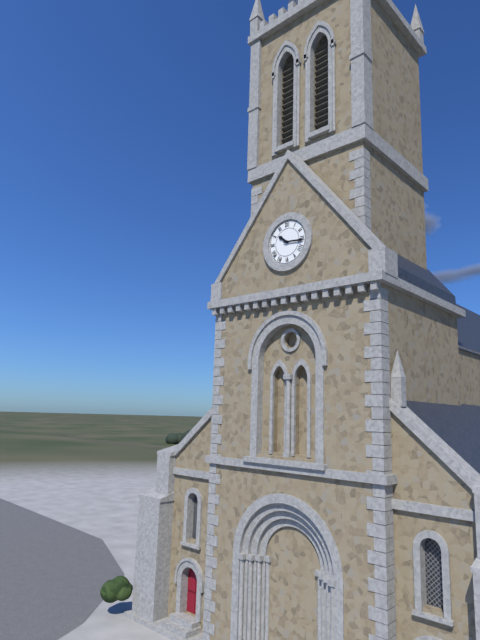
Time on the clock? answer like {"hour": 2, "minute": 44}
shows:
{"hour": 10, "minute": 16}
